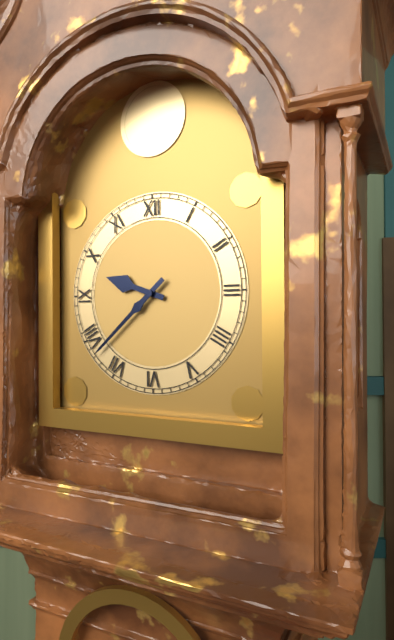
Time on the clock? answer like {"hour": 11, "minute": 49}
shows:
{"hour": 9, "minute": 38}
